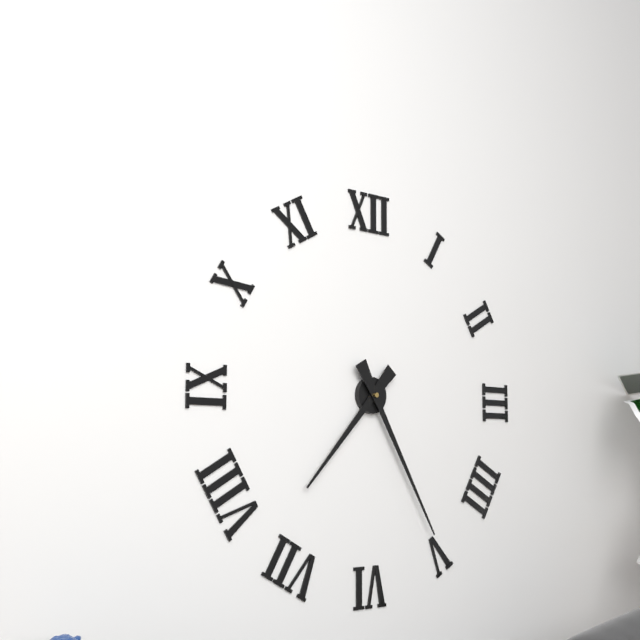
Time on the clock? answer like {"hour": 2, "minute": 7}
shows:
{"hour": 7, "minute": 25}
